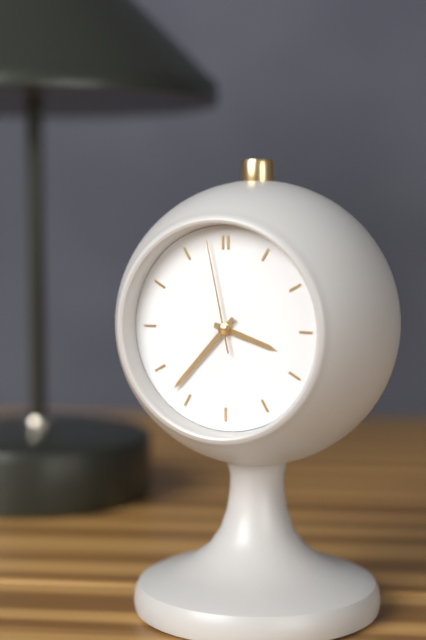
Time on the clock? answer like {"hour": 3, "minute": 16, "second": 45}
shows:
{"hour": 3, "minute": 37, "second": 58}
